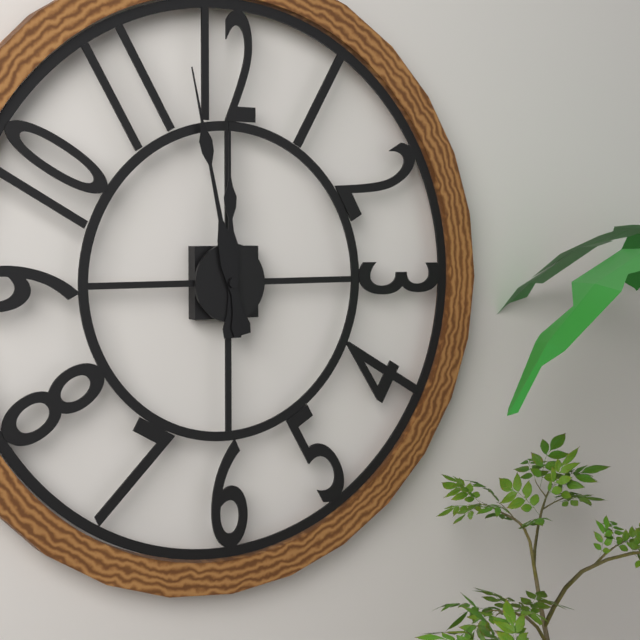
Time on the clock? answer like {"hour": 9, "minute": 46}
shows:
{"hour": 11, "minute": 58}
